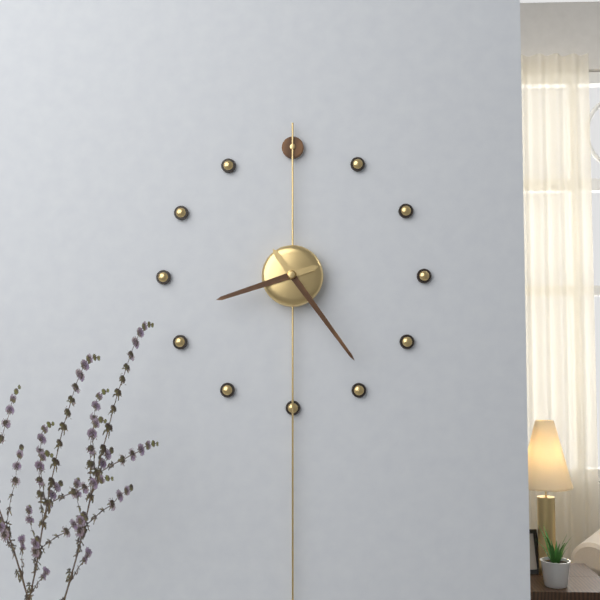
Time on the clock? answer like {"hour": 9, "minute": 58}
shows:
{"hour": 8, "minute": 24}
